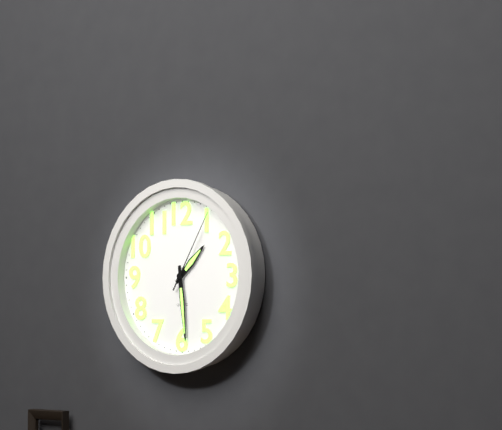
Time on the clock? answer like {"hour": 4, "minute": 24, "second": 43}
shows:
{"hour": 1, "minute": 29, "second": 5}
